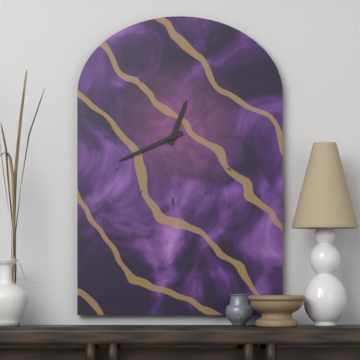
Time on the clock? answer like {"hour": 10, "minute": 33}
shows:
{"hour": 12, "minute": 41}
